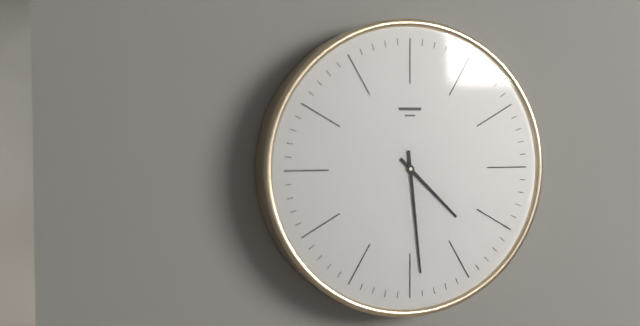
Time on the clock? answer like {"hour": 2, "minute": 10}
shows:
{"hour": 4, "minute": 29}
